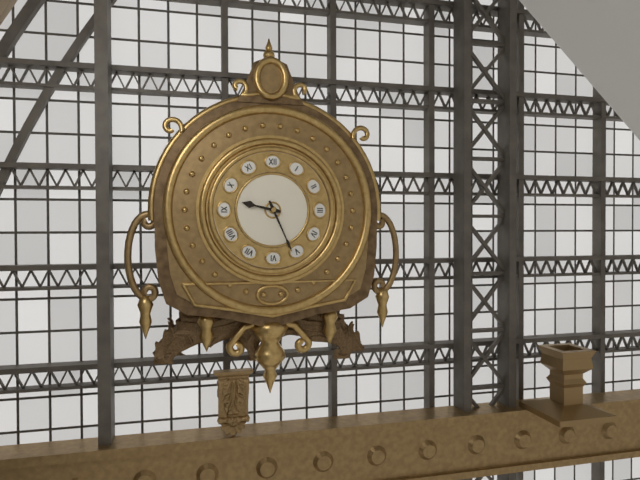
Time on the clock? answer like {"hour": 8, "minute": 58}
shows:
{"hour": 9, "minute": 26}
